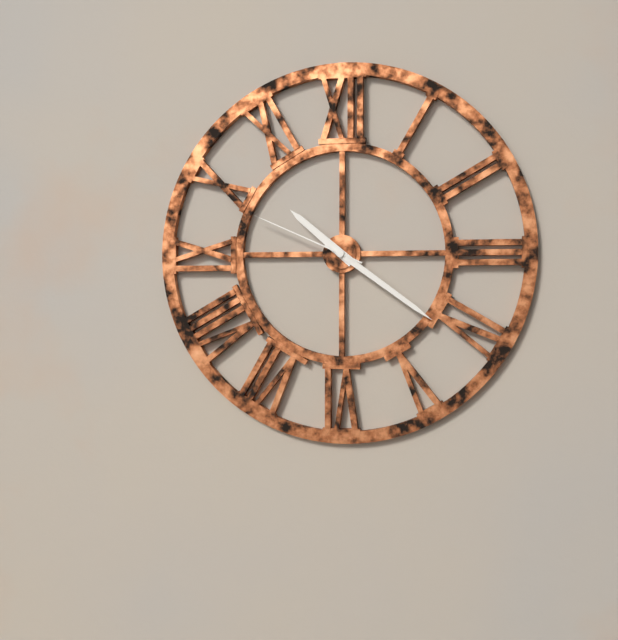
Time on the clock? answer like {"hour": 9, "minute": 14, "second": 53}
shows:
{"hour": 10, "minute": 21, "second": 49}
